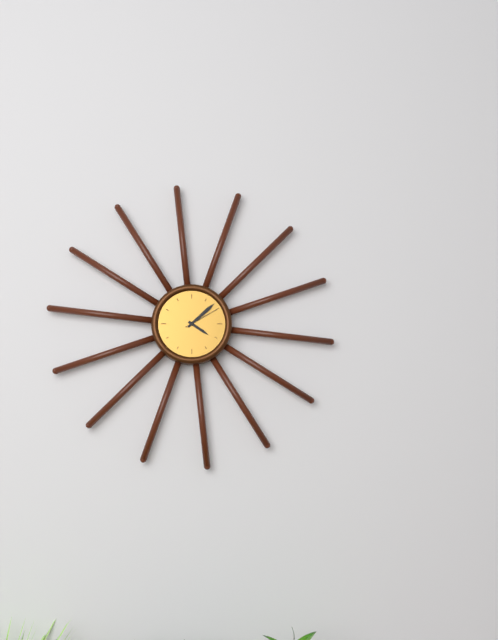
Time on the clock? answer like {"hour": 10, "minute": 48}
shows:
{"hour": 4, "minute": 8}
